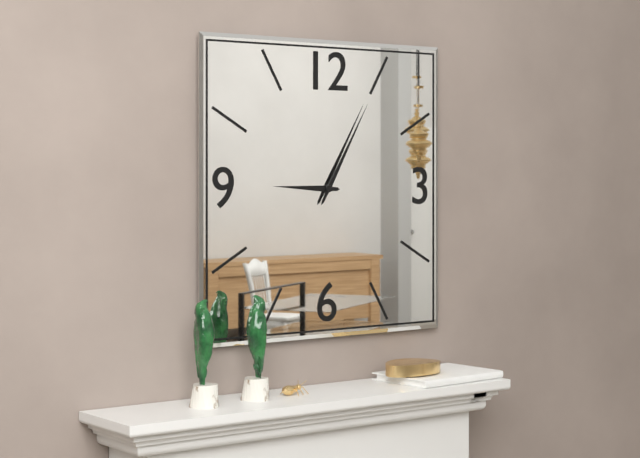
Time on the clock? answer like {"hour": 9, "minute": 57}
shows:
{"hour": 9, "minute": 5}
